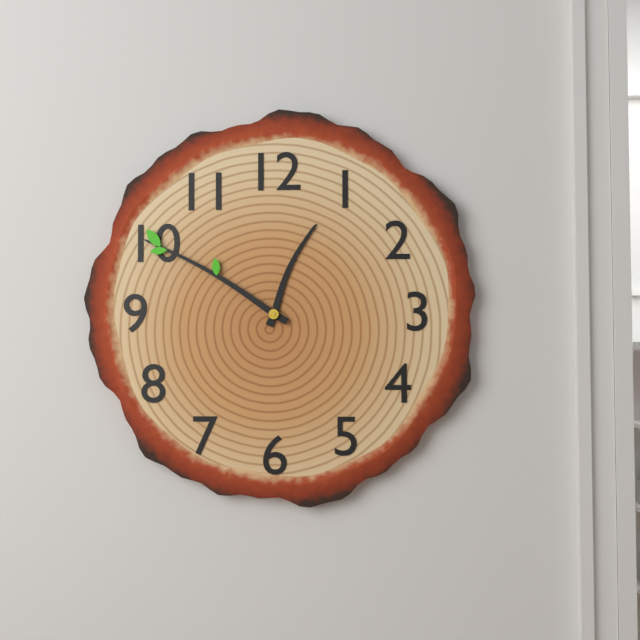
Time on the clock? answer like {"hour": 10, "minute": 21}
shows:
{"hour": 12, "minute": 50}
